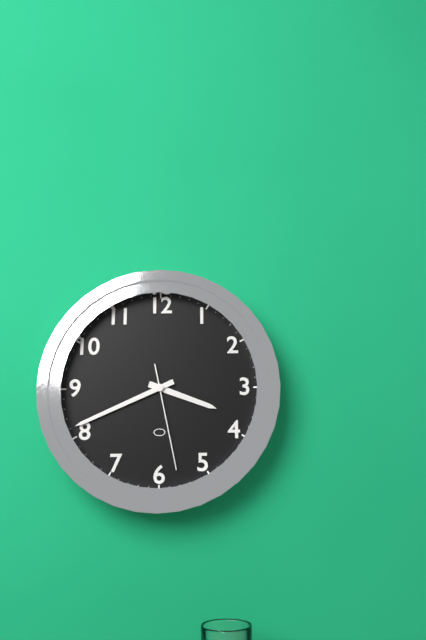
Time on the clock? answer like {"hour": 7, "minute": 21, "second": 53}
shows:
{"hour": 3, "minute": 41, "second": 28}
